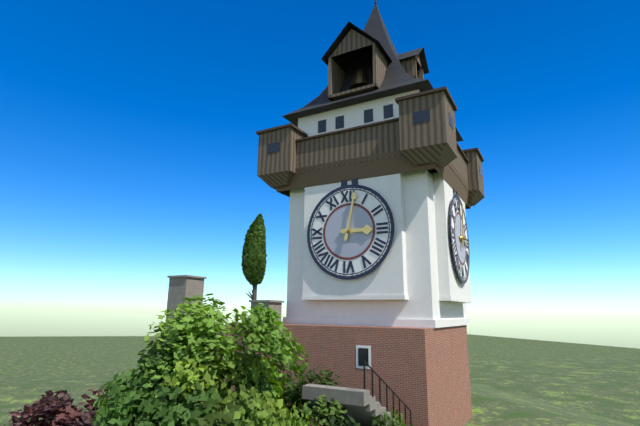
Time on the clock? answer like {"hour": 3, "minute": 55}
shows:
{"hour": 3, "minute": 2}
